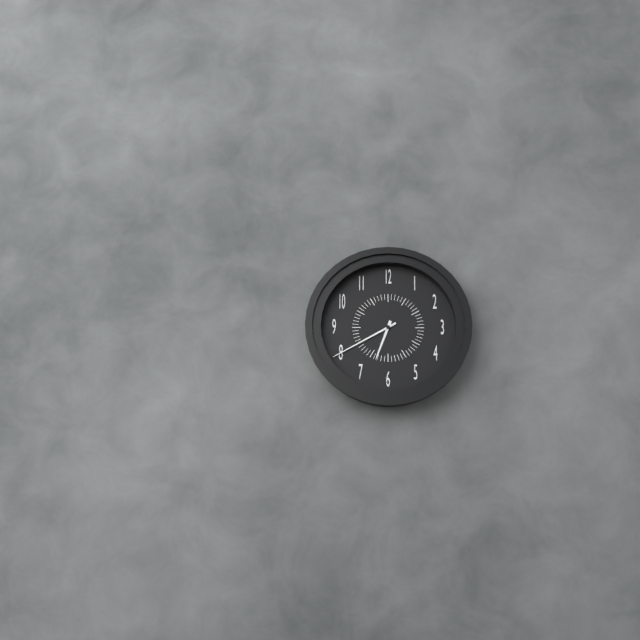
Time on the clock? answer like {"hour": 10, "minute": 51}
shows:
{"hour": 6, "minute": 40}
